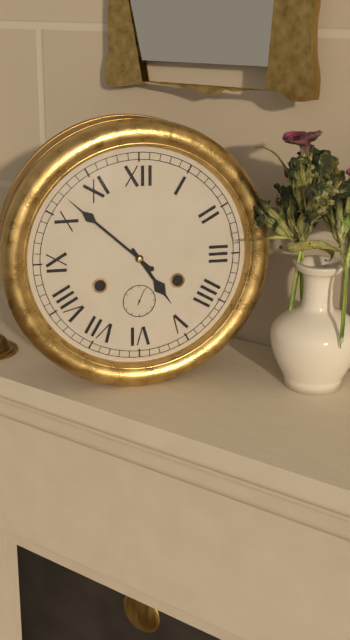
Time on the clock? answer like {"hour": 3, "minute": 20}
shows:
{"hour": 4, "minute": 52}
